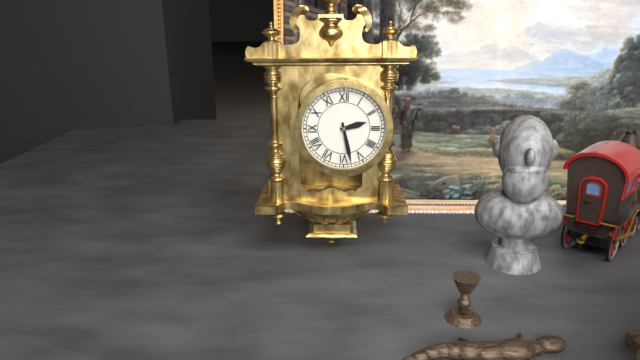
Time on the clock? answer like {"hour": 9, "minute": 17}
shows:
{"hour": 2, "minute": 28}
